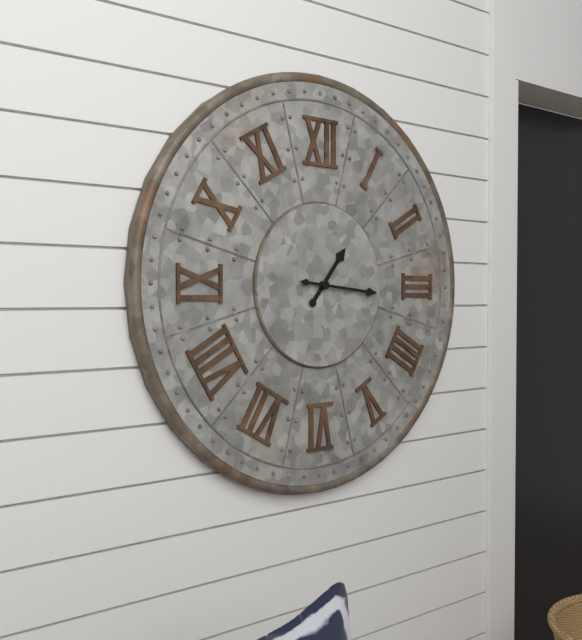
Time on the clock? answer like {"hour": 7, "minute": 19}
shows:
{"hour": 1, "minute": 16}
